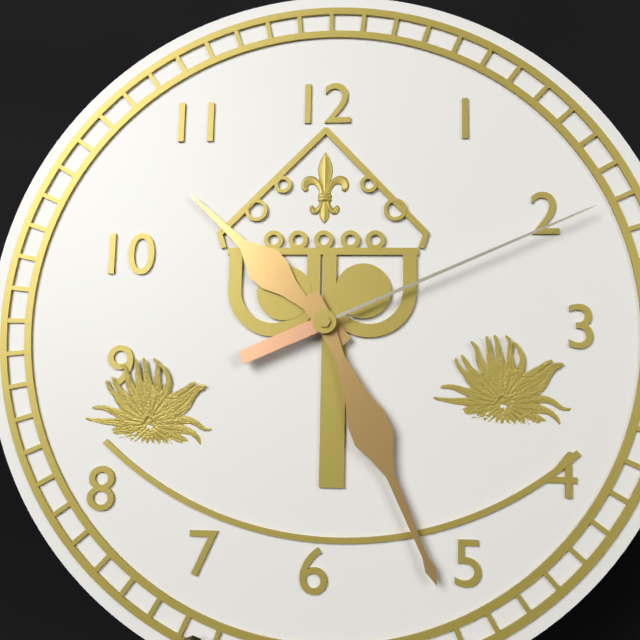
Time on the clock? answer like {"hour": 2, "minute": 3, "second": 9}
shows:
{"hour": 10, "minute": 26, "second": 11}
